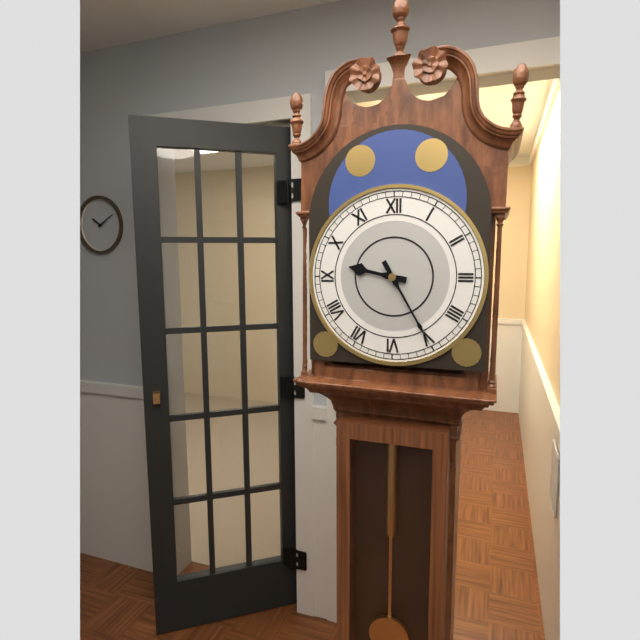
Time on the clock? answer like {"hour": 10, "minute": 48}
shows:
{"hour": 9, "minute": 25}
